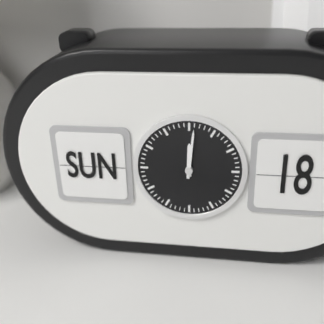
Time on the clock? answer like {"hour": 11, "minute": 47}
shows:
{"hour": 12, "minute": 1}
